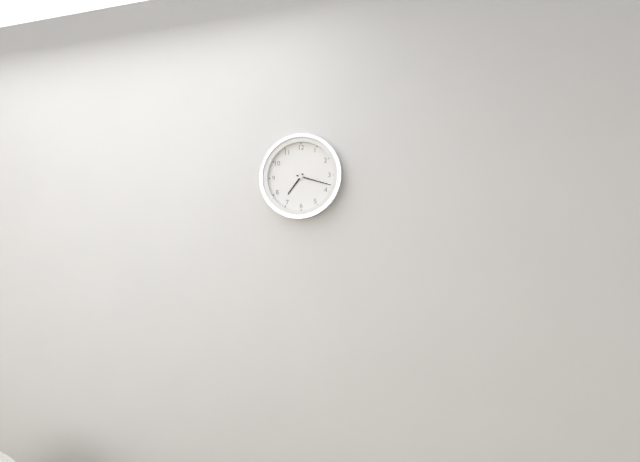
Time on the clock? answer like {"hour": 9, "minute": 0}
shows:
{"hour": 7, "minute": 18}
